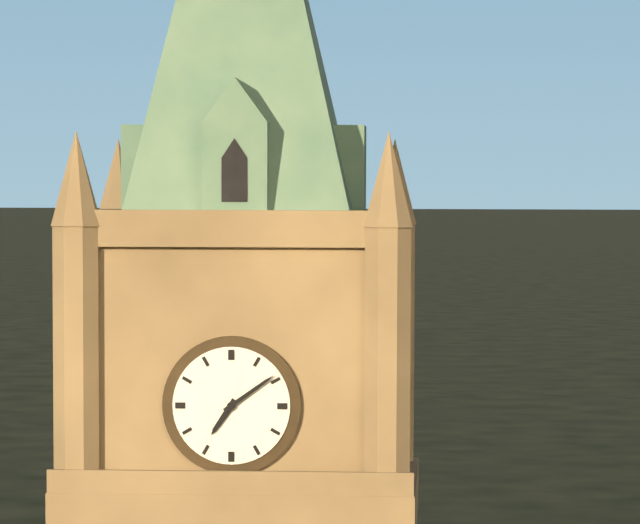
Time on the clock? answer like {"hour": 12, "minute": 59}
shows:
{"hour": 7, "minute": 9}
